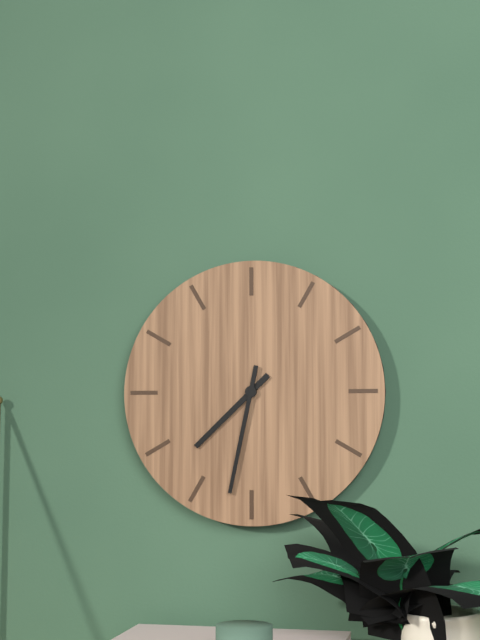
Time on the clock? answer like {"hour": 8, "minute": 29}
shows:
{"hour": 7, "minute": 32}
